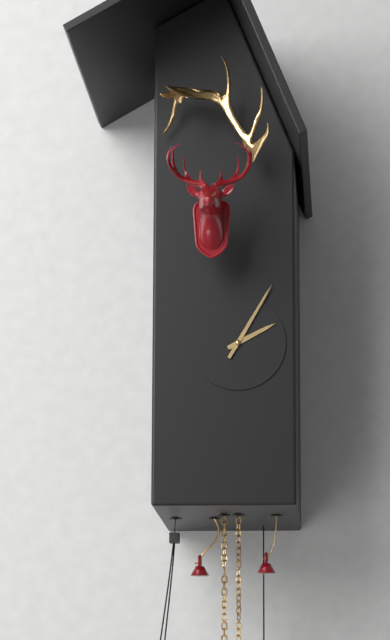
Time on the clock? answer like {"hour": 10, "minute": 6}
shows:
{"hour": 2, "minute": 5}
